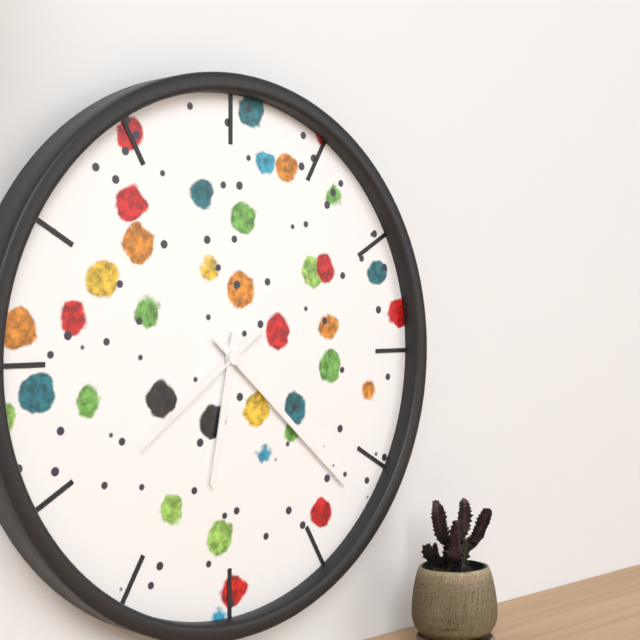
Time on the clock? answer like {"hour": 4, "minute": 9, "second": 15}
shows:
{"hour": 6, "minute": 22, "second": 39}
